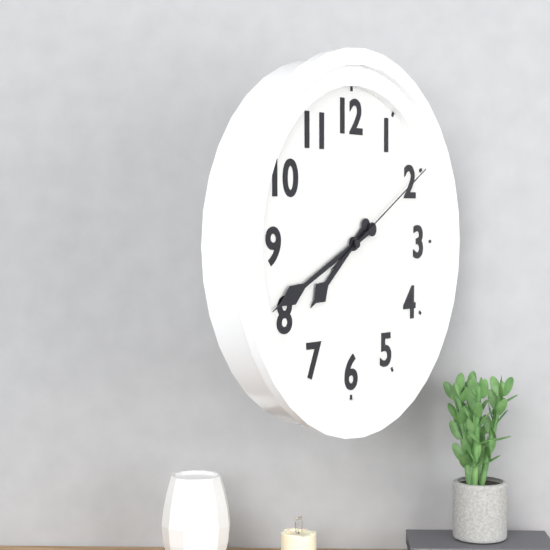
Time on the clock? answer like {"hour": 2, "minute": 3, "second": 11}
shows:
{"hour": 7, "minute": 41, "second": 10}
